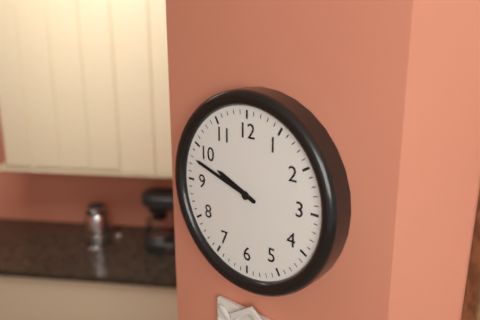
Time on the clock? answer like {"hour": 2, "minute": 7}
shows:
{"hour": 9, "minute": 48}
